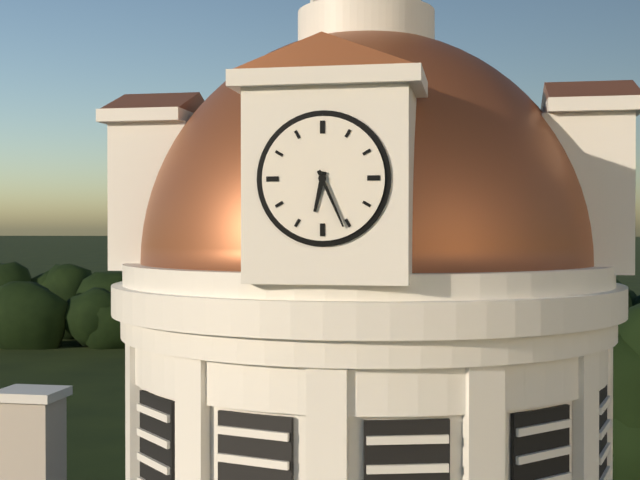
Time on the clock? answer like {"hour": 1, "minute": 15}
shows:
{"hour": 6, "minute": 26}
